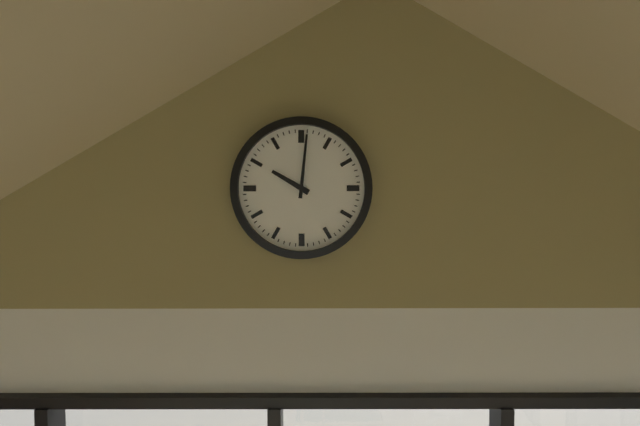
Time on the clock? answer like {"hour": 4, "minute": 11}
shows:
{"hour": 10, "minute": 1}
